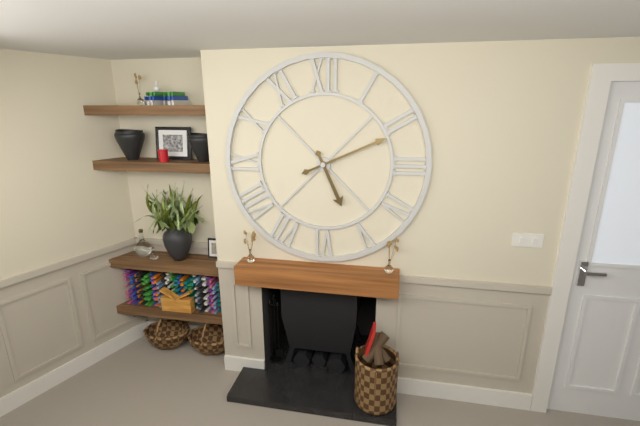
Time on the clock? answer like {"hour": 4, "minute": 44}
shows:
{"hour": 5, "minute": 11}
